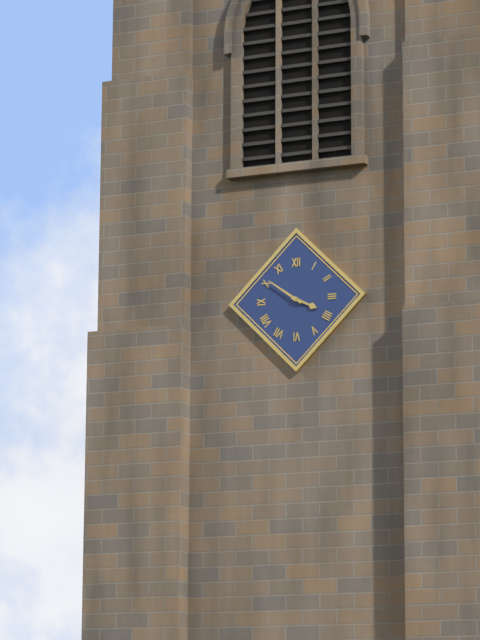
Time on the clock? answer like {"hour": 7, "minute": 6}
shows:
{"hour": 3, "minute": 51}
